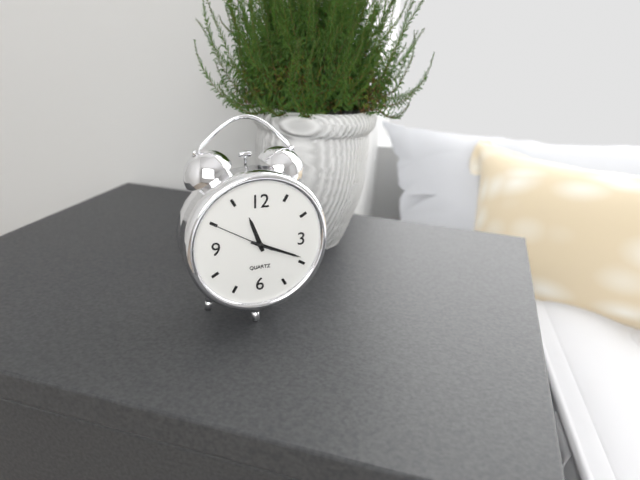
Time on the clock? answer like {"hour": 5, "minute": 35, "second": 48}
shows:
{"hour": 11, "minute": 19, "second": 50}
